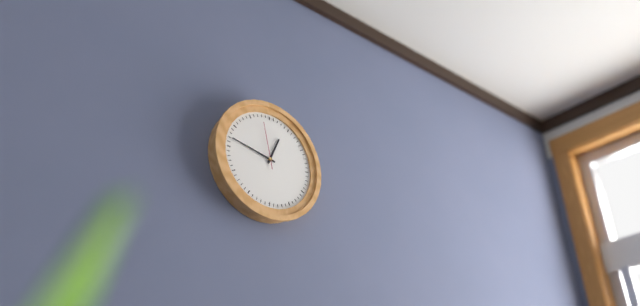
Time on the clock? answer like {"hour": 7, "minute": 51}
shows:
{"hour": 12, "minute": 47}
